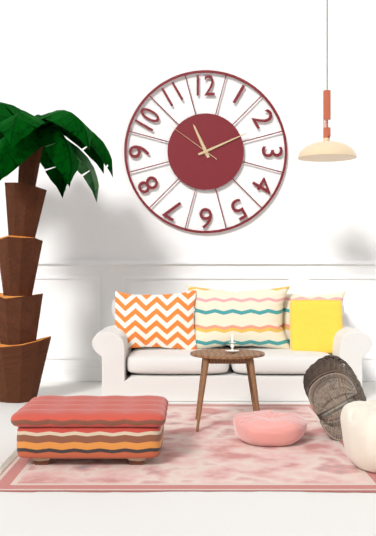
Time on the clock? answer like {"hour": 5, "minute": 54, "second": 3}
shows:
{"hour": 11, "minute": 11, "second": 51}
